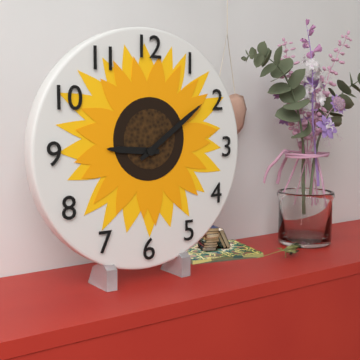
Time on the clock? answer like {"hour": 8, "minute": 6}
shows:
{"hour": 9, "minute": 9}
